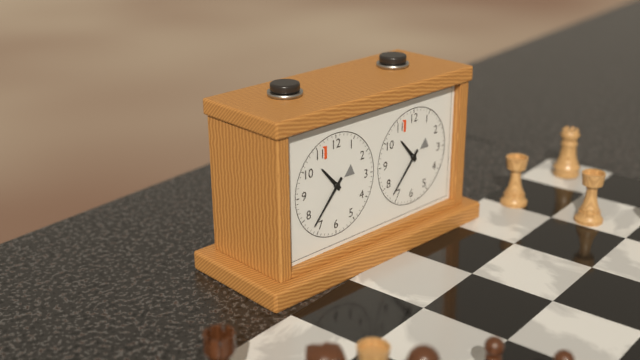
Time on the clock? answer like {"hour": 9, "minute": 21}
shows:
{"hour": 10, "minute": 37}
